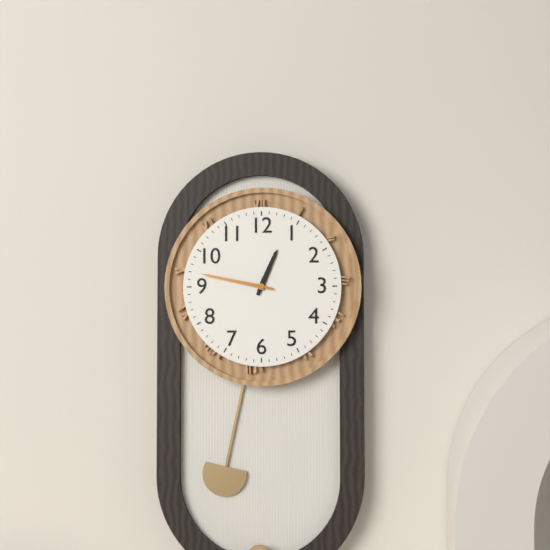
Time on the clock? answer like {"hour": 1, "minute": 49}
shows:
{"hour": 12, "minute": 47}
